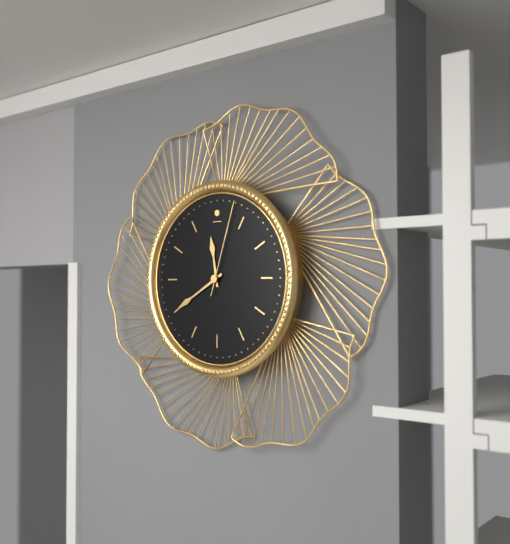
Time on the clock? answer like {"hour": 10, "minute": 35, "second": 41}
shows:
{"hour": 11, "minute": 40, "second": 3}
